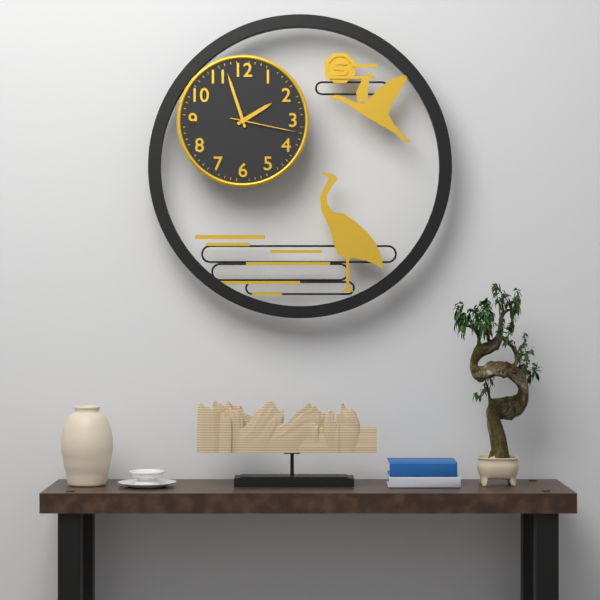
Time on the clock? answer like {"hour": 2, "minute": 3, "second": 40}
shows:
{"hour": 1, "minute": 57, "second": 17}
